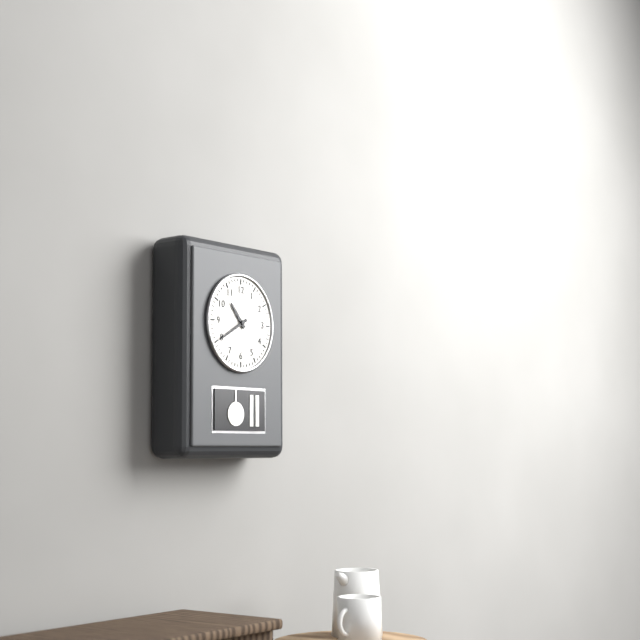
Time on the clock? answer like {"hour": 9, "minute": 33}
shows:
{"hour": 10, "minute": 40}
